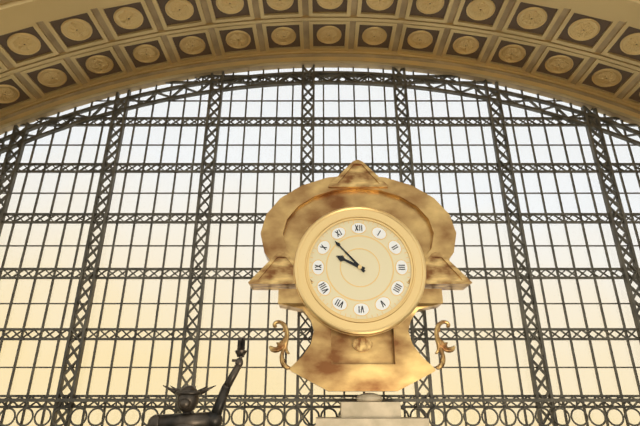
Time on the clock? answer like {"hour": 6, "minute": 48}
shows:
{"hour": 9, "minute": 53}
